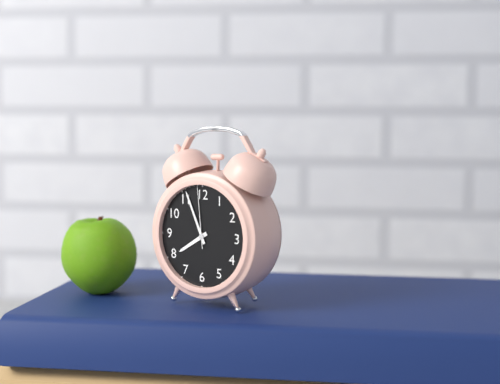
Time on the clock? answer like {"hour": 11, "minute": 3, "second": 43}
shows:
{"hour": 7, "minute": 56, "second": 59}
